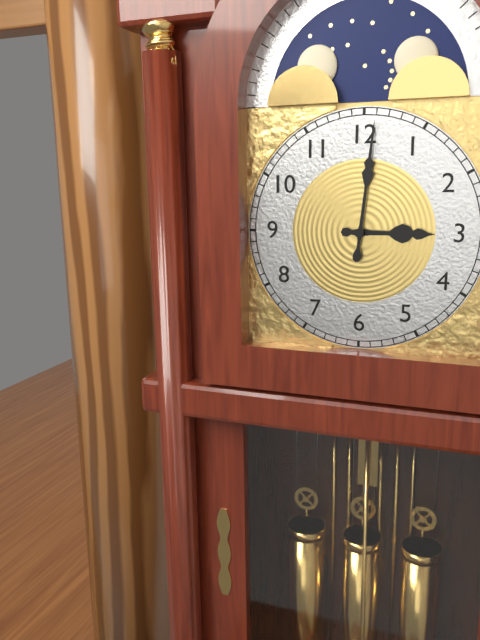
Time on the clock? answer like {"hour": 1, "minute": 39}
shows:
{"hour": 3, "minute": 1}
